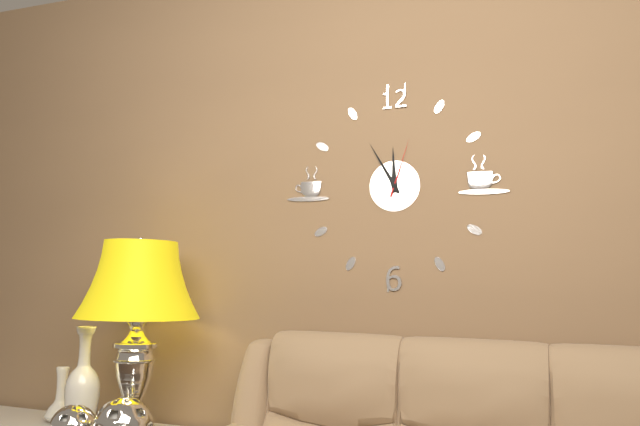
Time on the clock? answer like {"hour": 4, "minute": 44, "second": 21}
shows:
{"hour": 11, "minute": 55, "second": 3}
